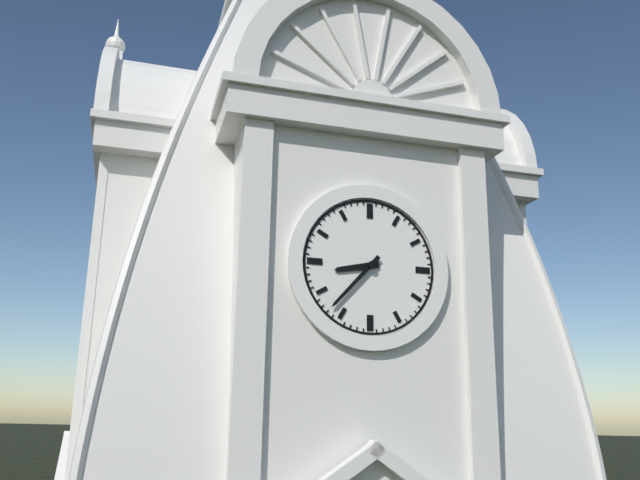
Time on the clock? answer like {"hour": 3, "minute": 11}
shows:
{"hour": 8, "minute": 37}
